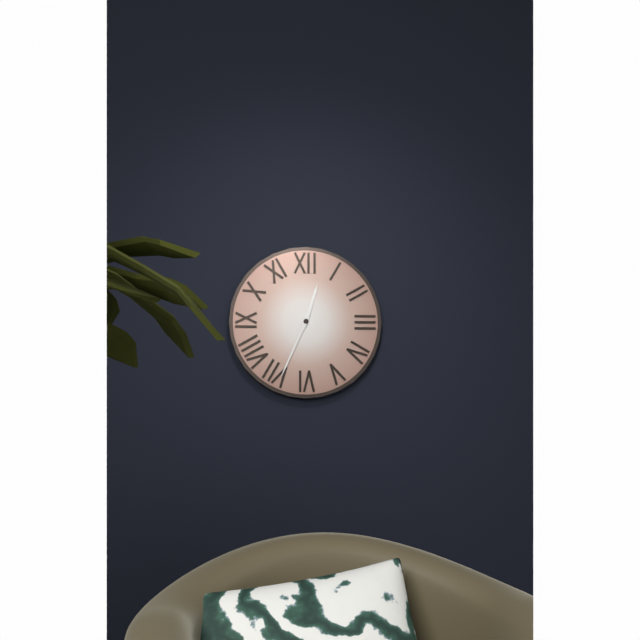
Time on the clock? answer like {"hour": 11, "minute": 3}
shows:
{"hour": 12, "minute": 34}
